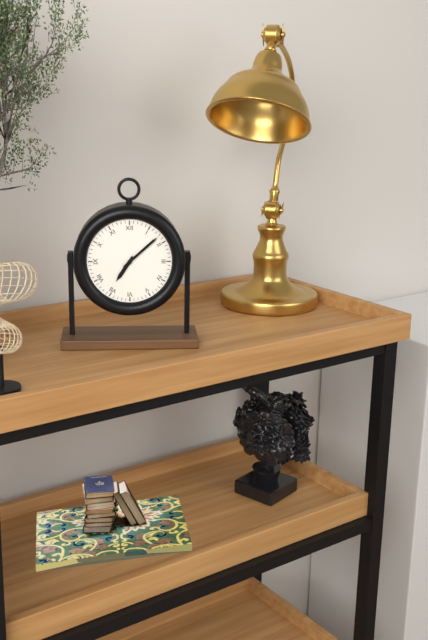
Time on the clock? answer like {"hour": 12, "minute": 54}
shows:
{"hour": 7, "minute": 8}
